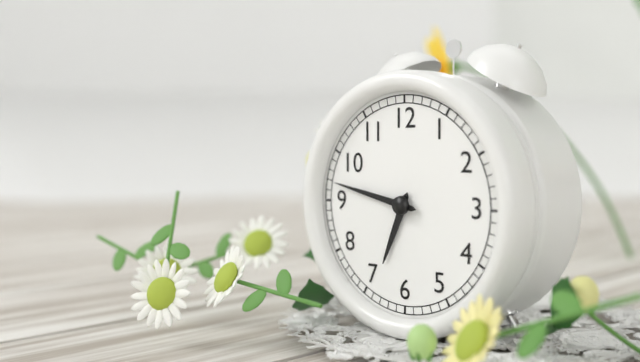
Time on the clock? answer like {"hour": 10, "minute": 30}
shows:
{"hour": 6, "minute": 47}
